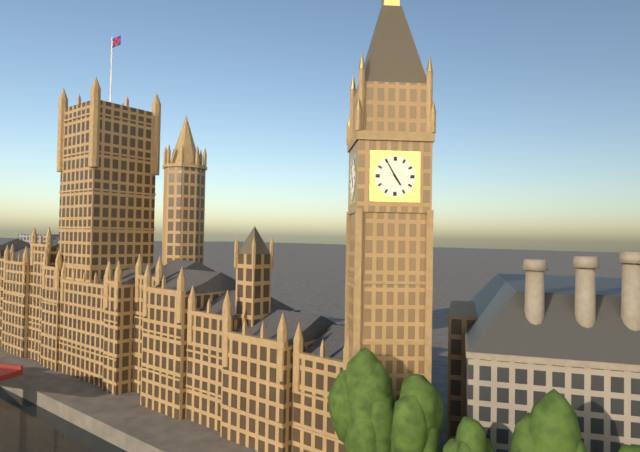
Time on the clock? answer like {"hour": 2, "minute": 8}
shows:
{"hour": 4, "minute": 55}
